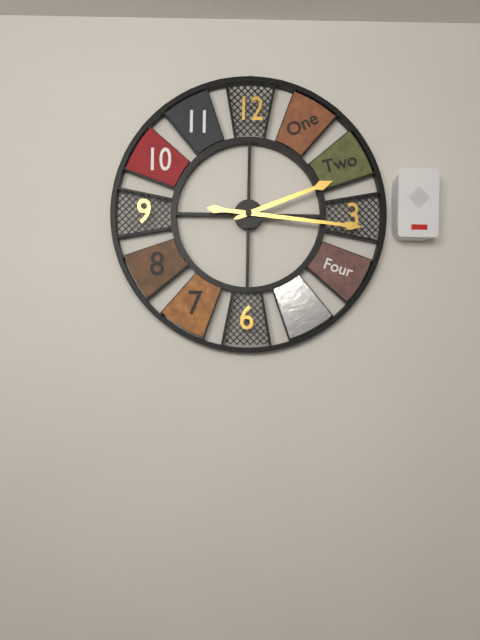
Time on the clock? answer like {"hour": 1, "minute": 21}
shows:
{"hour": 2, "minute": 16}
